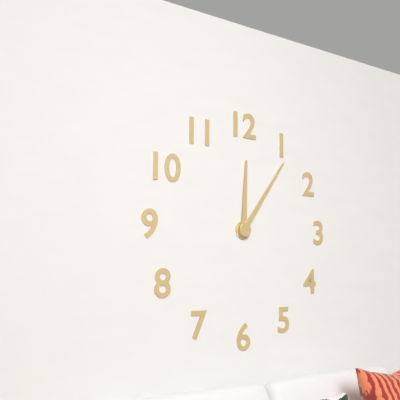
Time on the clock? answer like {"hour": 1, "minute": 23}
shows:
{"hour": 12, "minute": 6}
